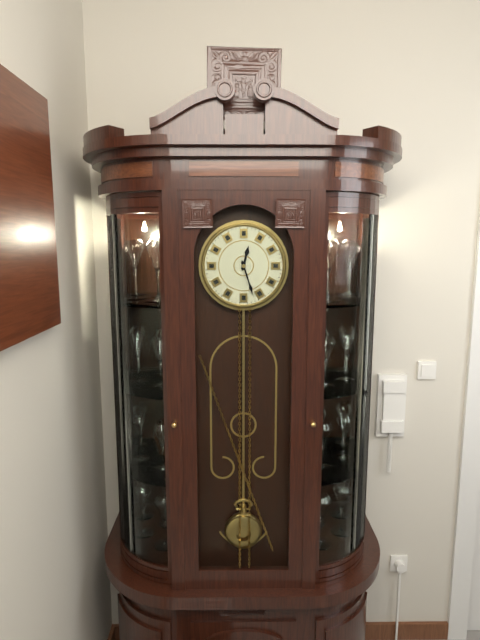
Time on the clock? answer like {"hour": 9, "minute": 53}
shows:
{"hour": 12, "minute": 27}
